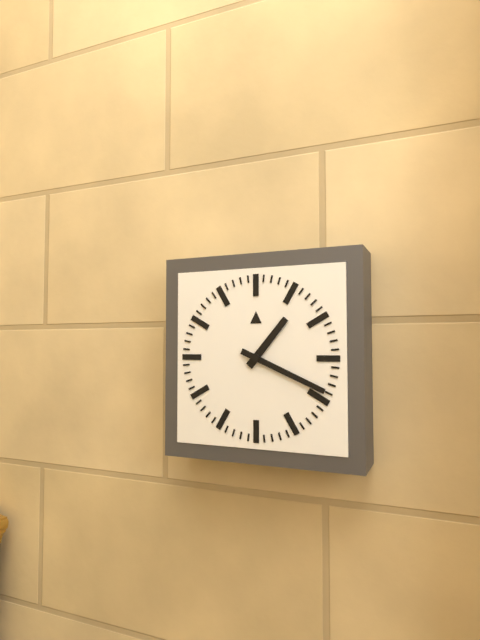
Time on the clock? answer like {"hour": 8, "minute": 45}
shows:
{"hour": 1, "minute": 19}
